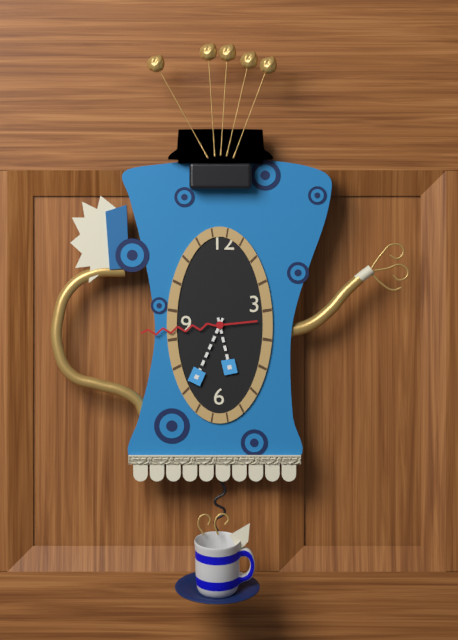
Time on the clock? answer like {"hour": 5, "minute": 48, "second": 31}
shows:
{"hour": 5, "minute": 34, "second": 44}
